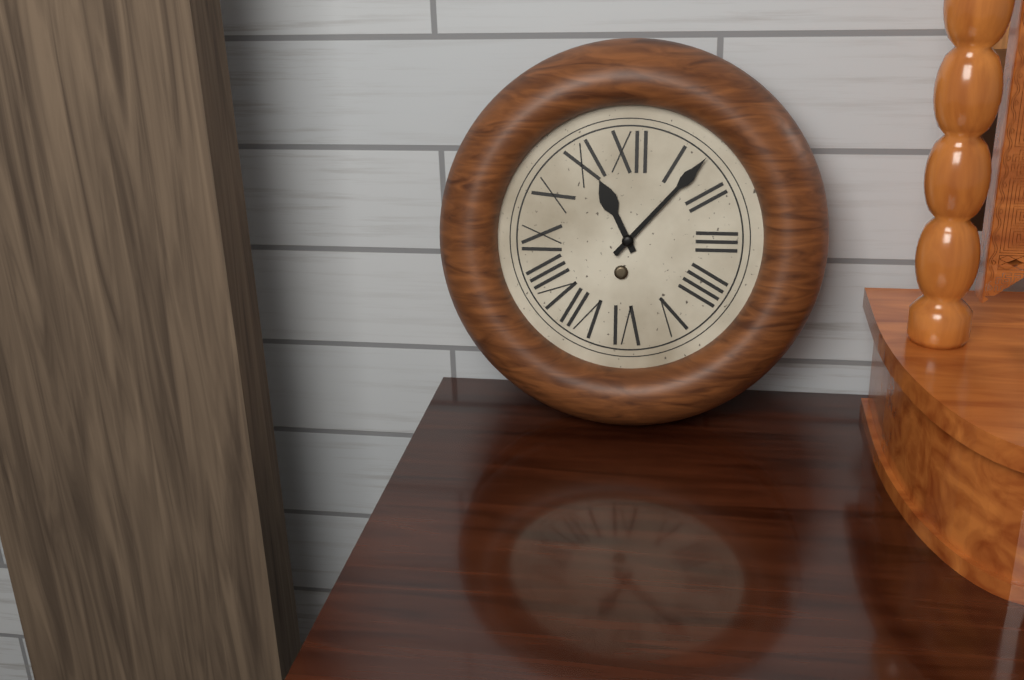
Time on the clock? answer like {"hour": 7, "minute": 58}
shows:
{"hour": 11, "minute": 7}
